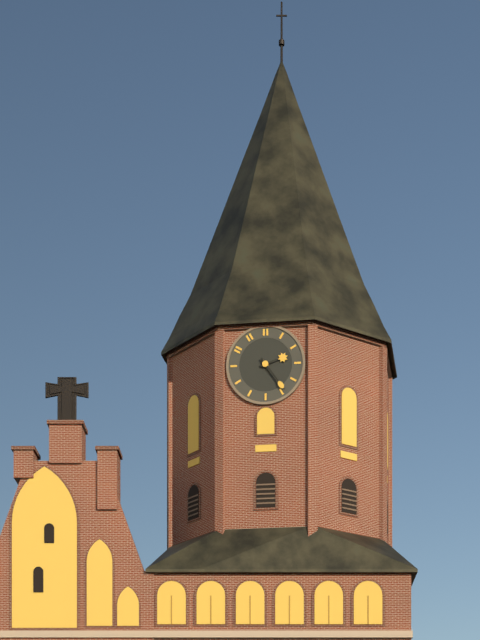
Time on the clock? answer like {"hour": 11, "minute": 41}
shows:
{"hour": 2, "minute": 24}
